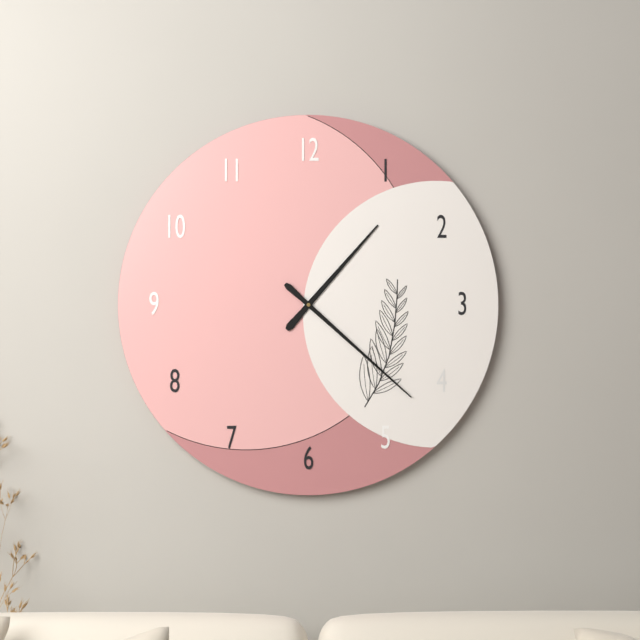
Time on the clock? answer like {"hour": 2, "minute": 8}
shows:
{"hour": 1, "minute": 22}
